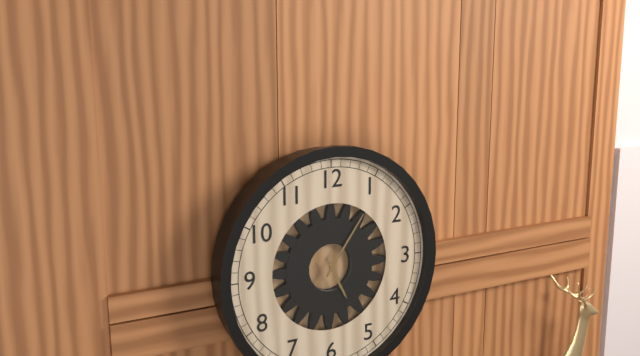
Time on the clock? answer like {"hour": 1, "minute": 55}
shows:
{"hour": 5, "minute": 6}
